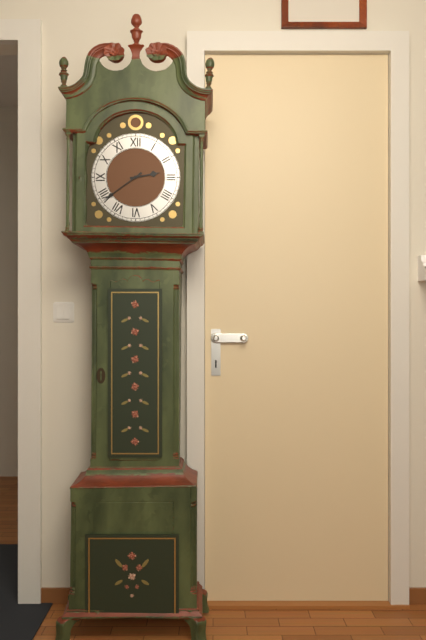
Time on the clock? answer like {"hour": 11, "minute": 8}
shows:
{"hour": 2, "minute": 39}
